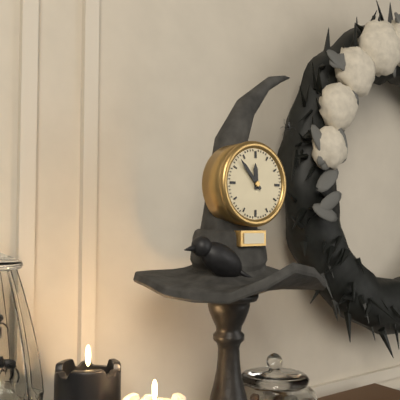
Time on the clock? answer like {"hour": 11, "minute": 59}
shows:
{"hour": 11, "minute": 53}
